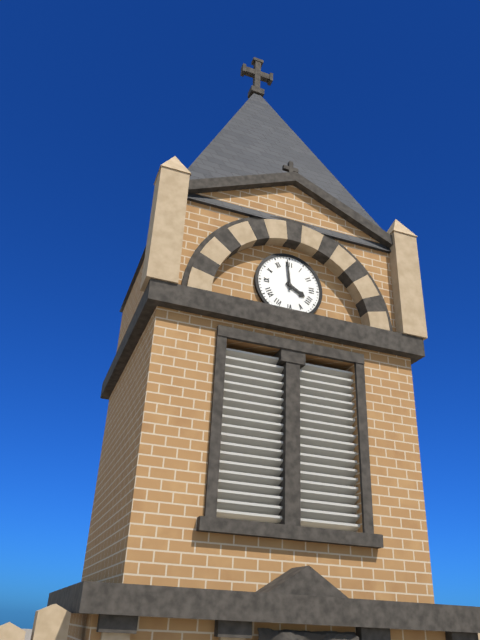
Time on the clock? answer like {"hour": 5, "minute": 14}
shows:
{"hour": 3, "minute": 59}
